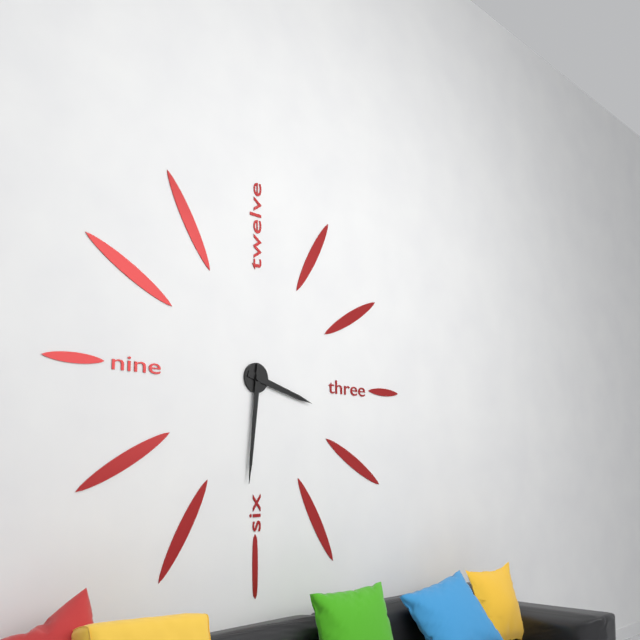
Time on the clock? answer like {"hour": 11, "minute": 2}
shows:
{"hour": 3, "minute": 31}
